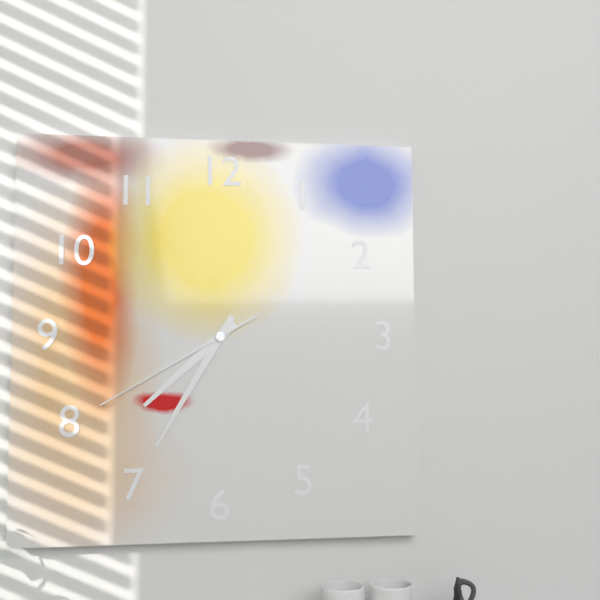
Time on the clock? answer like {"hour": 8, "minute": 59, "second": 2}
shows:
{"hour": 7, "minute": 35, "second": 40}
